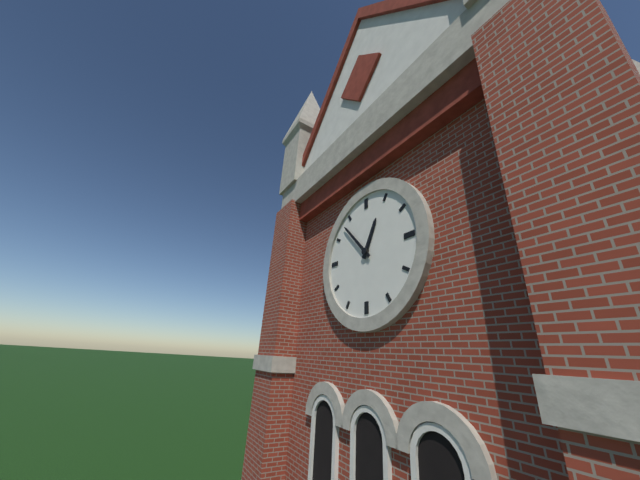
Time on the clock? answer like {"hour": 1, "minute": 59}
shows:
{"hour": 12, "minute": 53}
